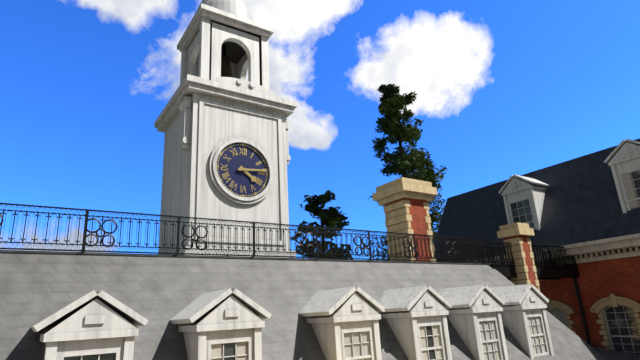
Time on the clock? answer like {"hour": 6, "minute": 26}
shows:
{"hour": 4, "minute": 14}
